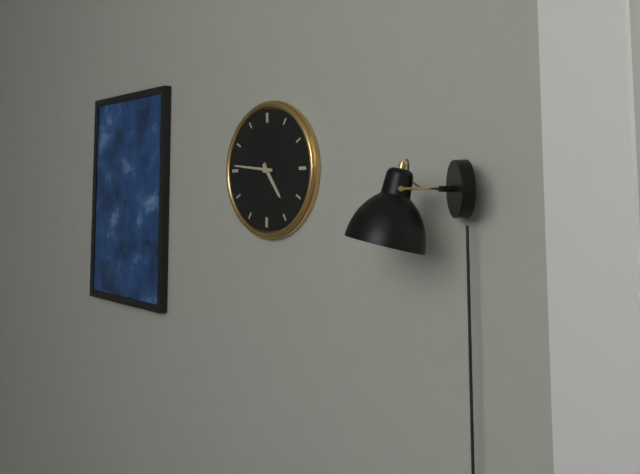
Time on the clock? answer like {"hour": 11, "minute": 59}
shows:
{"hour": 4, "minute": 46}
